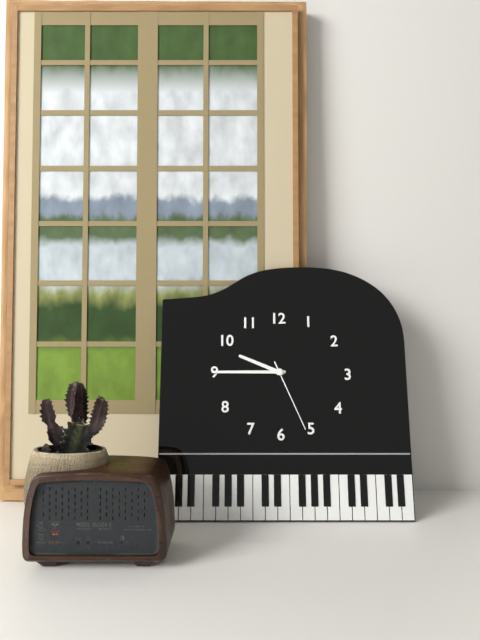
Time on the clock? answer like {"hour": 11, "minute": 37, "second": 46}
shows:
{"hour": 9, "minute": 45, "second": 26}
